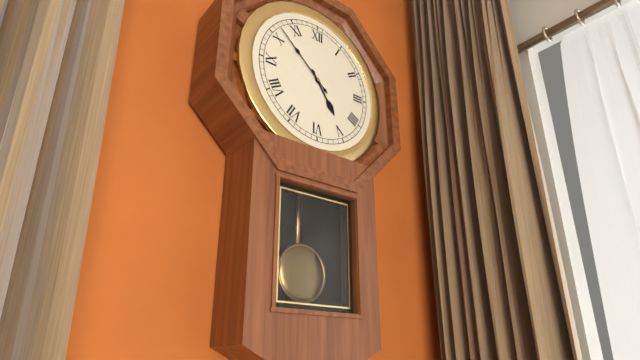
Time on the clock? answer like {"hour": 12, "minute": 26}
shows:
{"hour": 4, "minute": 52}
